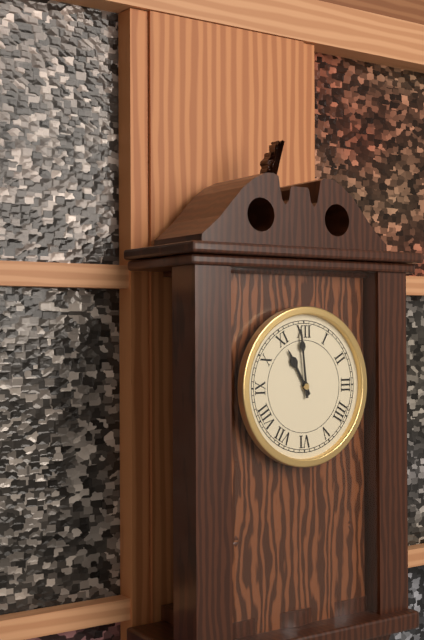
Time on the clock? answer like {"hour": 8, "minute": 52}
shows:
{"hour": 10, "minute": 59}
